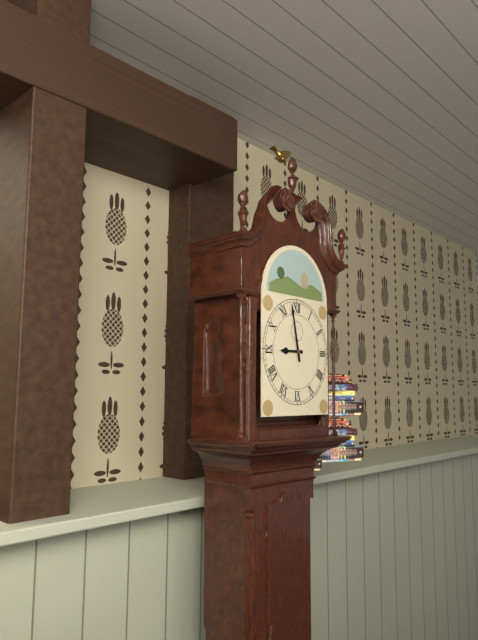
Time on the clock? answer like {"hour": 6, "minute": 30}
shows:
{"hour": 8, "minute": 58}
